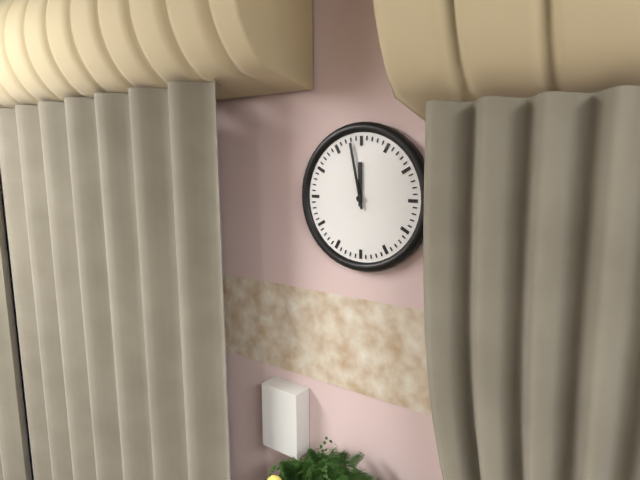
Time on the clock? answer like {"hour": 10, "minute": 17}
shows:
{"hour": 11, "minute": 58}
